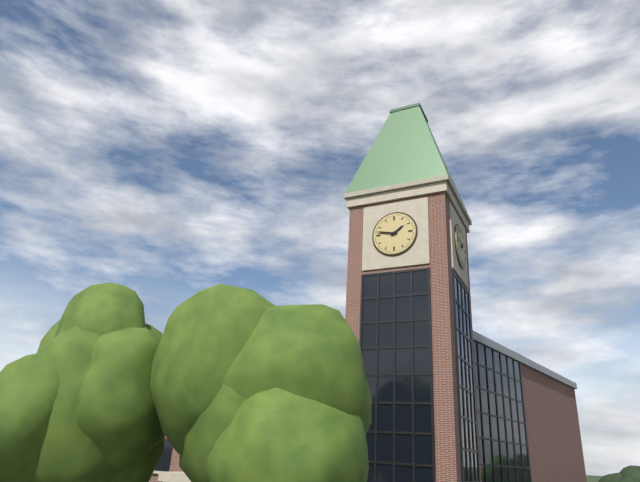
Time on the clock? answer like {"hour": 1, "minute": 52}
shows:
{"hour": 1, "minute": 47}
